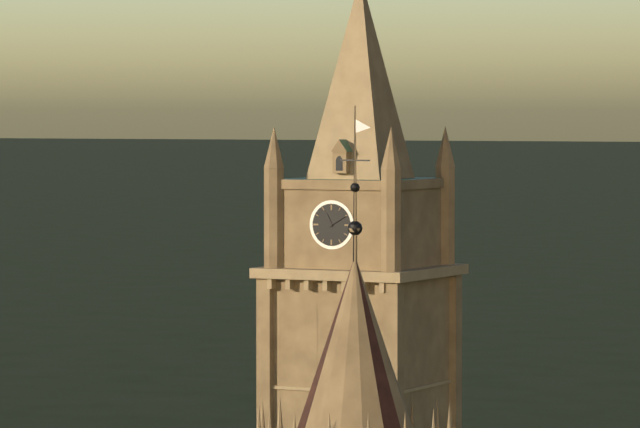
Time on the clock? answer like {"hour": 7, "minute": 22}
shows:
{"hour": 11, "minute": 10}
